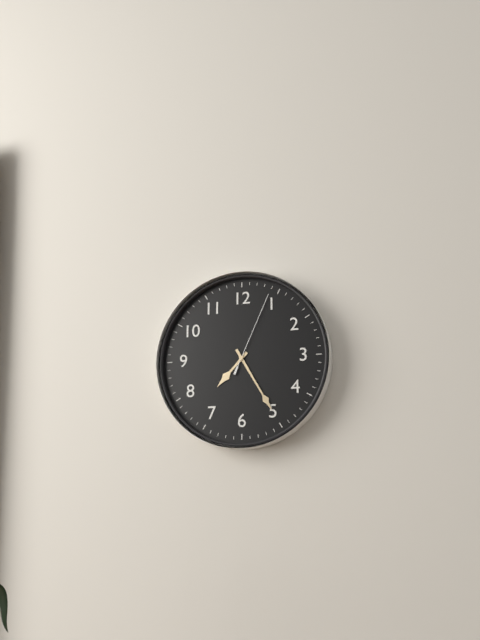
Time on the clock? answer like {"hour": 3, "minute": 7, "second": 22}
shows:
{"hour": 7, "minute": 25, "second": 4}
